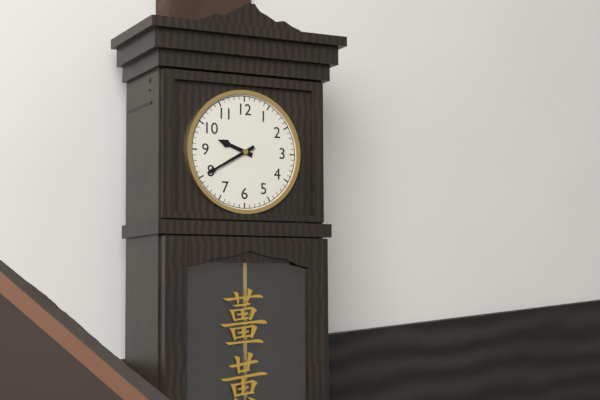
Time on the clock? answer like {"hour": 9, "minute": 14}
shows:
{"hour": 9, "minute": 40}
